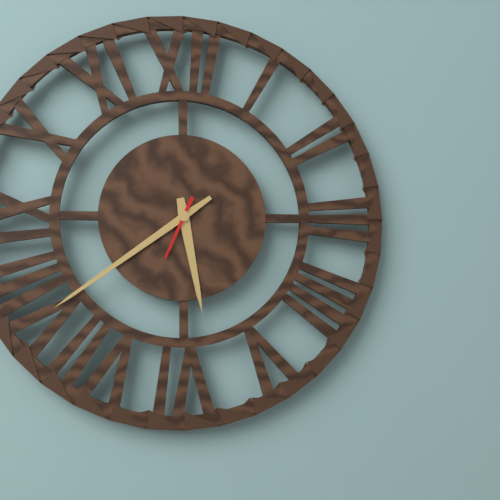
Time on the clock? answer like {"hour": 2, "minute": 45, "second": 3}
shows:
{"hour": 5, "minute": 39, "second": 34}
